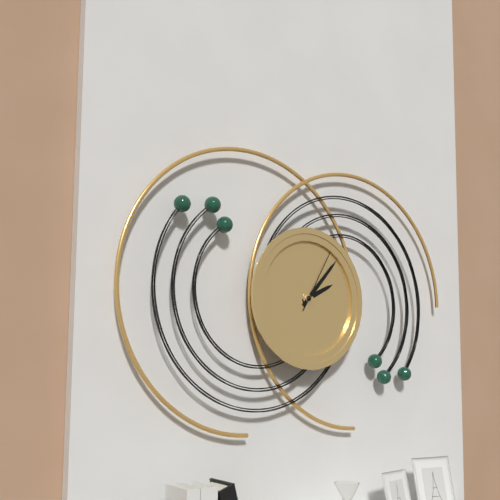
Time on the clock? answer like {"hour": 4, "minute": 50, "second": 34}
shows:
{"hour": 2, "minute": 7, "second": 5}
